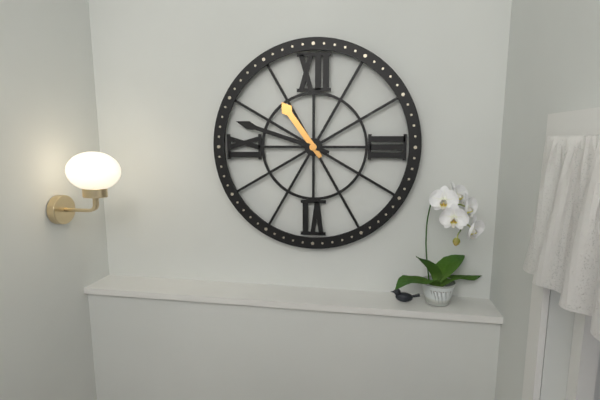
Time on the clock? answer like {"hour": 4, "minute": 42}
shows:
{"hour": 10, "minute": 48}
